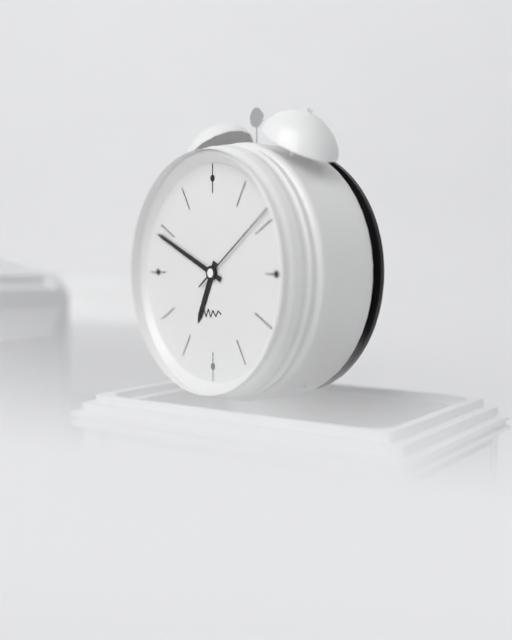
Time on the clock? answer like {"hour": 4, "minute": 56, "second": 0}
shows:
{"hour": 6, "minute": 49, "second": 9}
